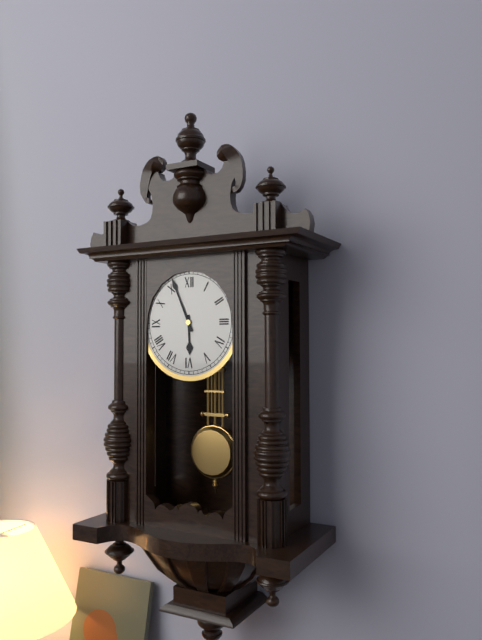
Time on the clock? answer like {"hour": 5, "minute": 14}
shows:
{"hour": 5, "minute": 56}
